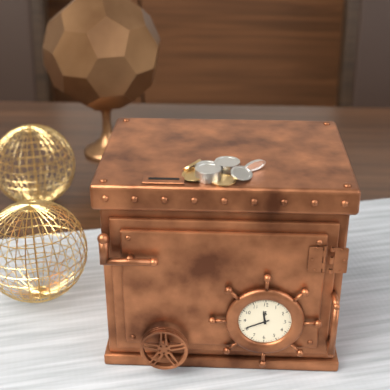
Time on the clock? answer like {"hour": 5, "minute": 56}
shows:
{"hour": 11, "minute": 41}
